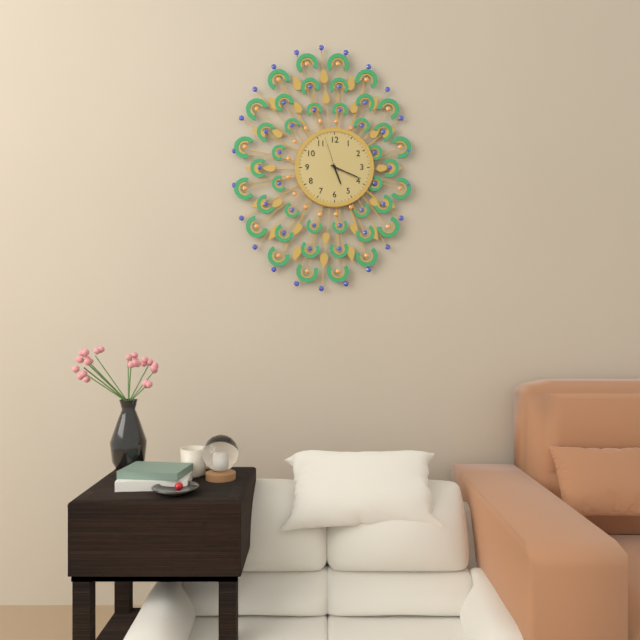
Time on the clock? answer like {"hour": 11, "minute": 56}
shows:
{"hour": 5, "minute": 19}
